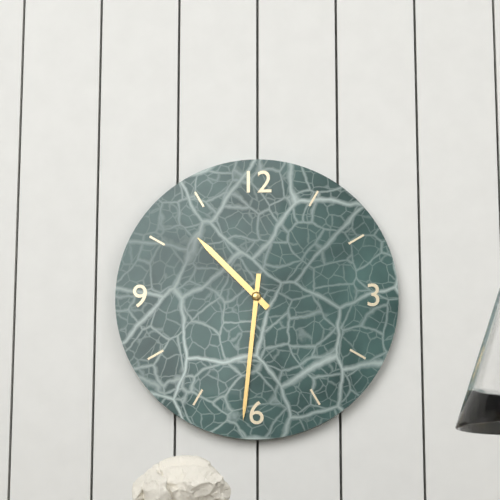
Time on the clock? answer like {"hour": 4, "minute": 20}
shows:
{"hour": 10, "minute": 31}
